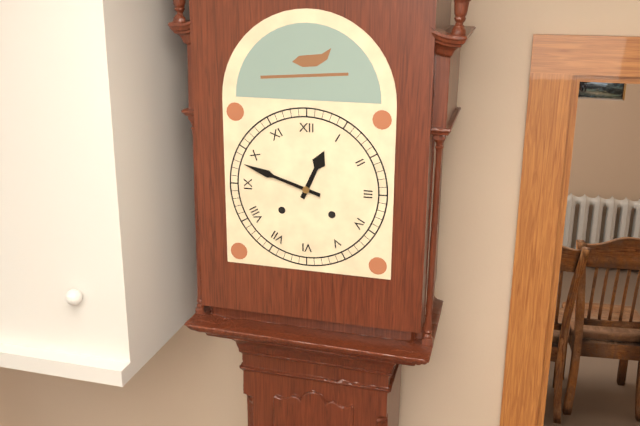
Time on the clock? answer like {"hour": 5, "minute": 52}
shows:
{"hour": 12, "minute": 48}
